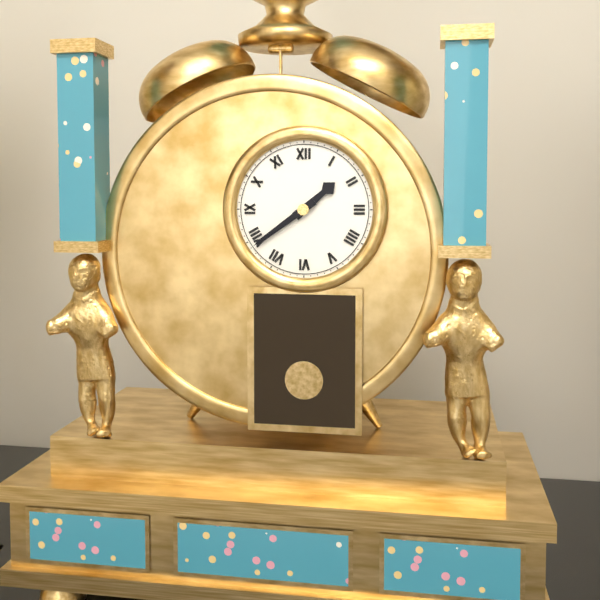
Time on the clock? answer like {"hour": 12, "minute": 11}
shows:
{"hour": 1, "minute": 39}
